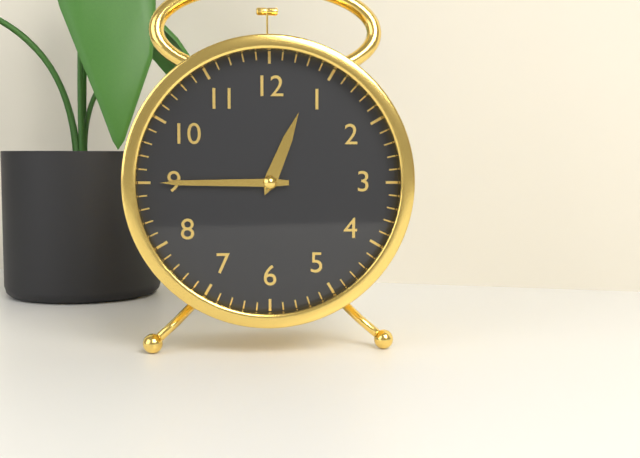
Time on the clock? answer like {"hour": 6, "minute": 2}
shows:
{"hour": 12, "minute": 45}
